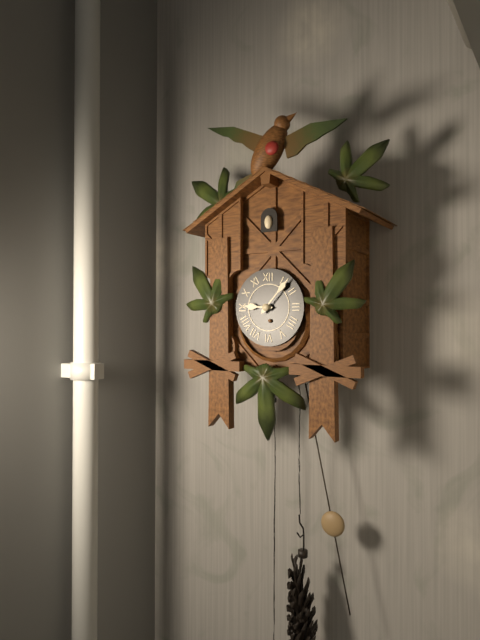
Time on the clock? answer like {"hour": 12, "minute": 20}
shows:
{"hour": 9, "minute": 7}
